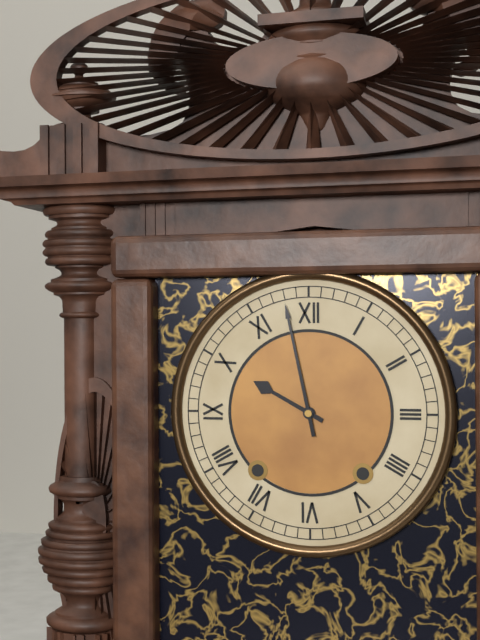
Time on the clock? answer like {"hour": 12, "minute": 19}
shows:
{"hour": 9, "minute": 58}
